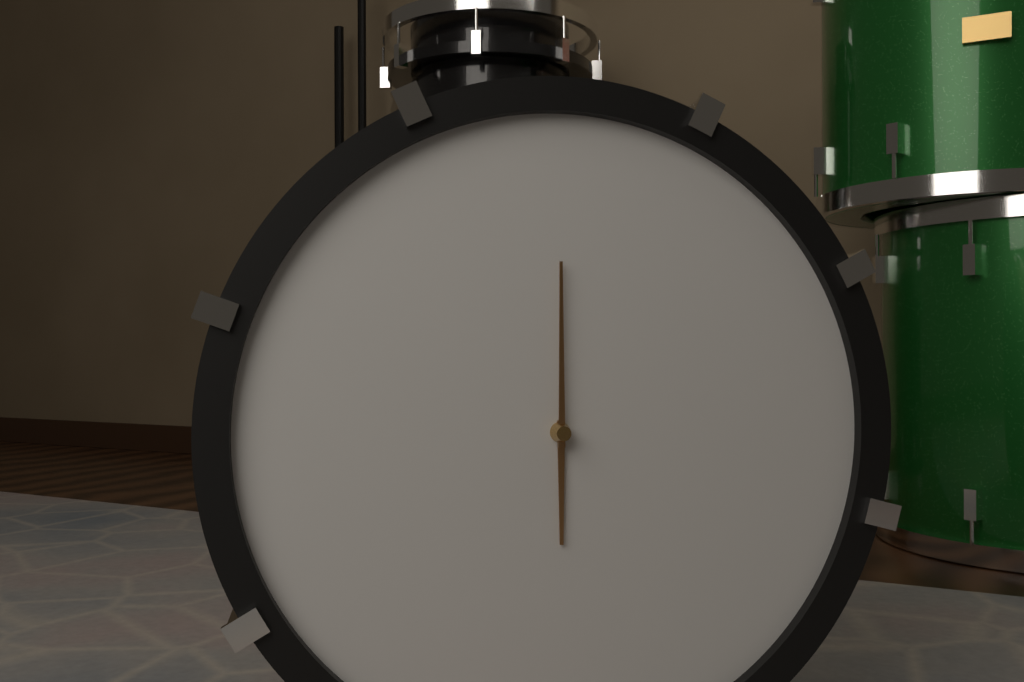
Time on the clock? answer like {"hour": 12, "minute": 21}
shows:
{"hour": 6, "minute": 0}
